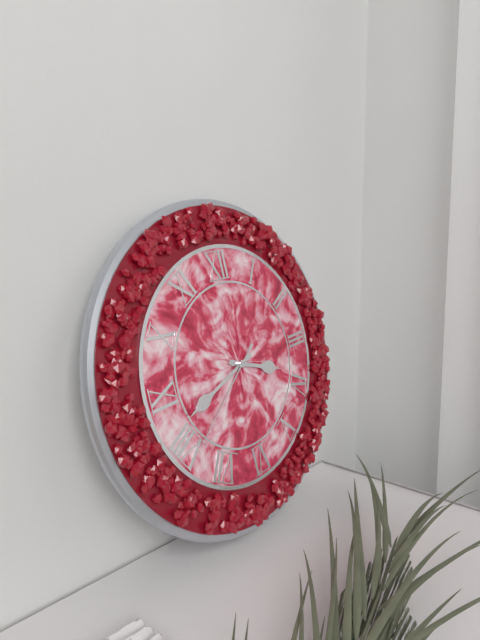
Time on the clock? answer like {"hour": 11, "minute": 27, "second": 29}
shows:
{"hour": 3, "minute": 42, "second": 39}
